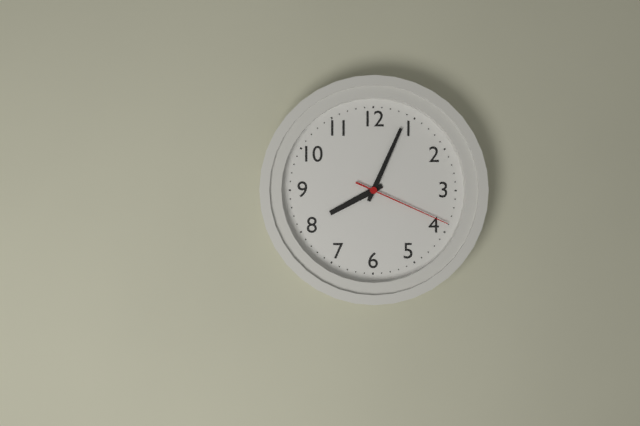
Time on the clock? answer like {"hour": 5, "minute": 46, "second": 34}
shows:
{"hour": 8, "minute": 4, "second": 19}
